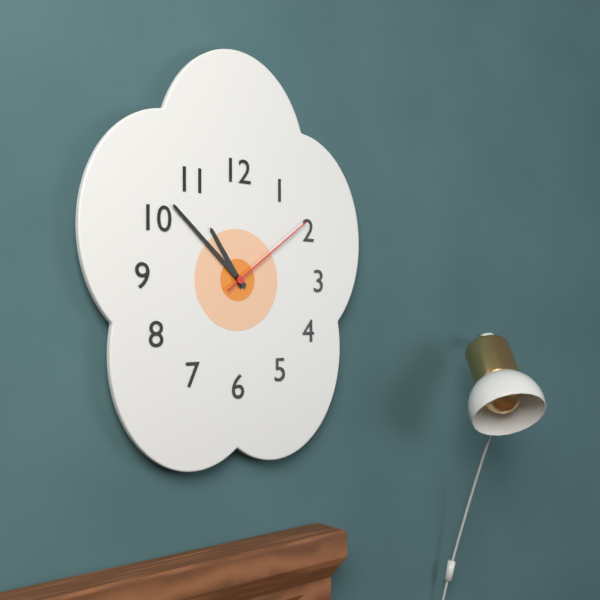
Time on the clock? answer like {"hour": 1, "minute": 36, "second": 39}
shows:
{"hour": 10, "minute": 52, "second": 9}
